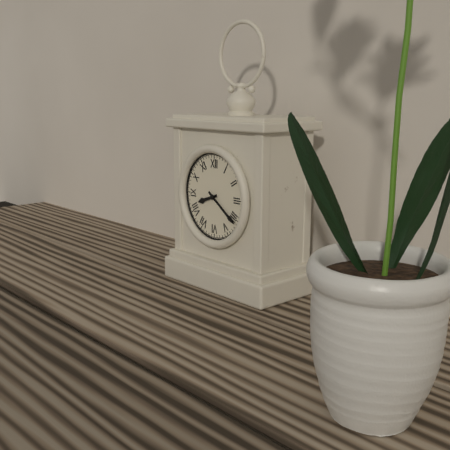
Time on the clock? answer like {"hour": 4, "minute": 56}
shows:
{"hour": 8, "minute": 21}
